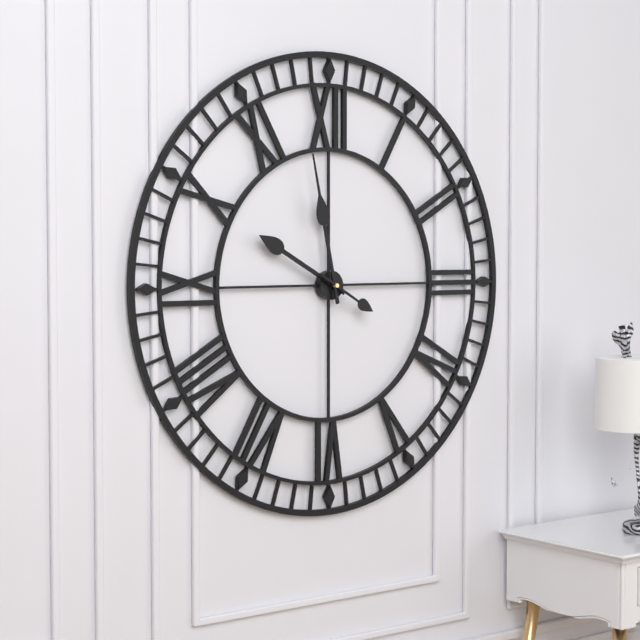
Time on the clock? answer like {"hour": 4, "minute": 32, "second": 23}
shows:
{"hour": 9, "minute": 58, "second": 20}
